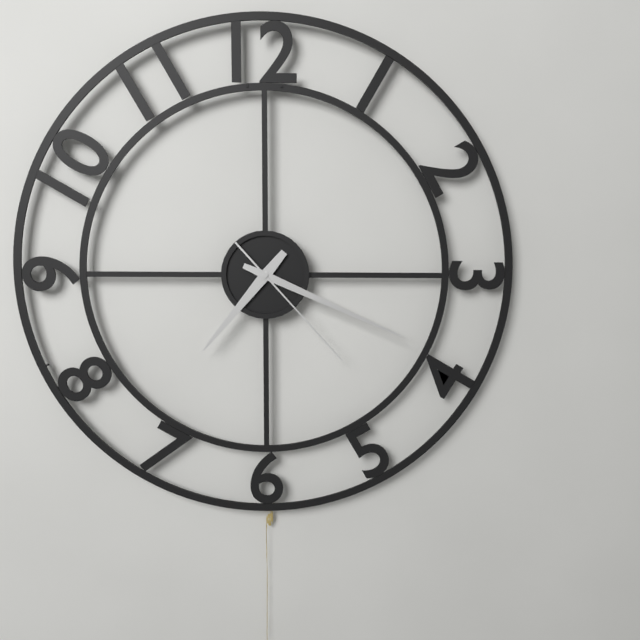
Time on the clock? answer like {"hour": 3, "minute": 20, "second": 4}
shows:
{"hour": 7, "minute": 19, "second": 23}
